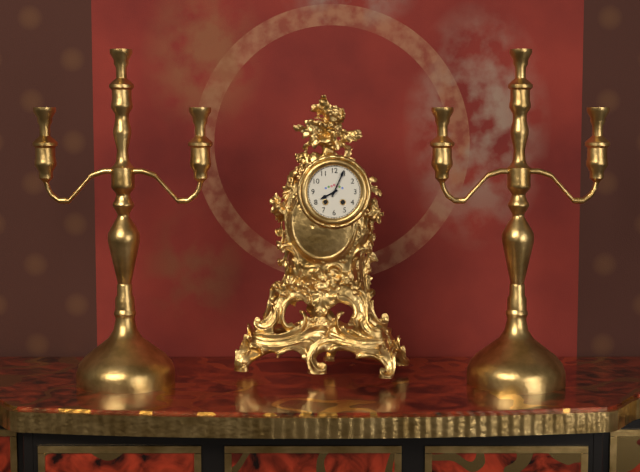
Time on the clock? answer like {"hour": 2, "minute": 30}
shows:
{"hour": 8, "minute": 4}
